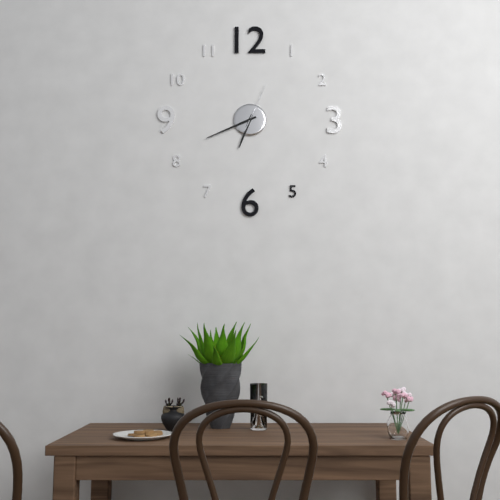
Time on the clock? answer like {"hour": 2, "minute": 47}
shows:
{"hour": 6, "minute": 41}
